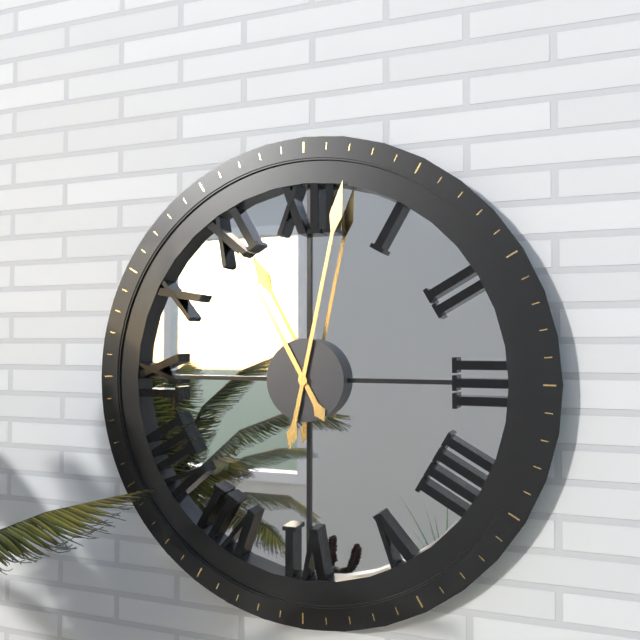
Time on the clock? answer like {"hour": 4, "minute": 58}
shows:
{"hour": 11, "minute": 2}
